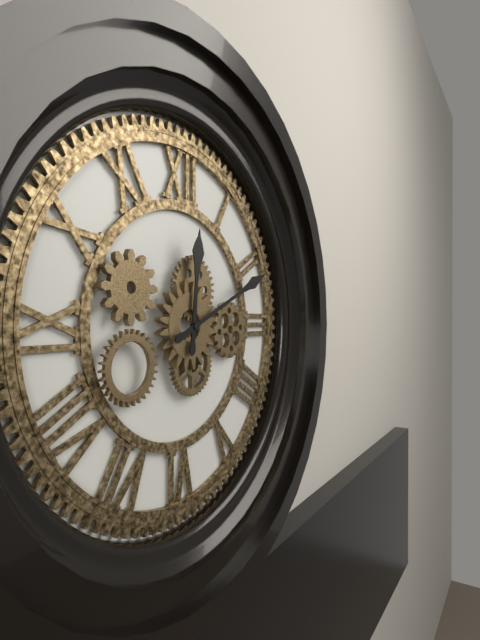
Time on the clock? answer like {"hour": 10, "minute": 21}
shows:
{"hour": 12, "minute": 11}
